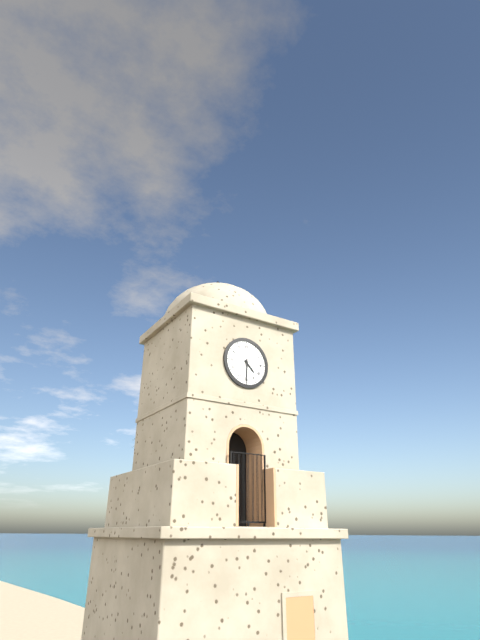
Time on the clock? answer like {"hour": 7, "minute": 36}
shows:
{"hour": 4, "minute": 30}
